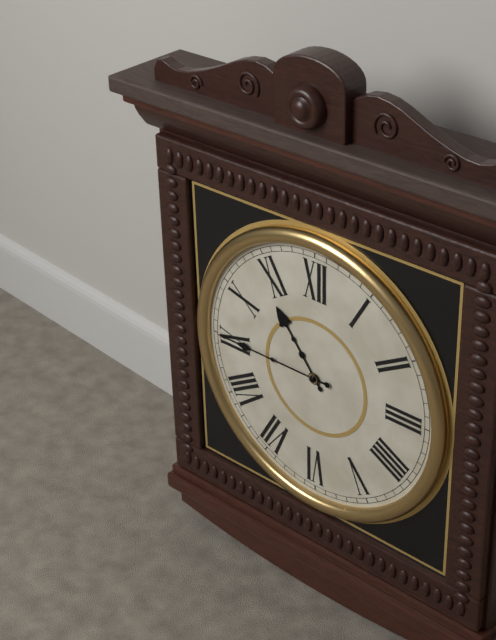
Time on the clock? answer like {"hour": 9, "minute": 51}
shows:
{"hour": 10, "minute": 45}
